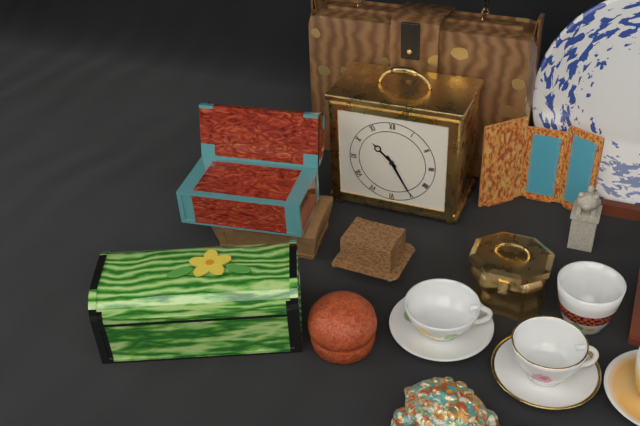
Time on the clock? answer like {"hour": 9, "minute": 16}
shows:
{"hour": 10, "minute": 25}
